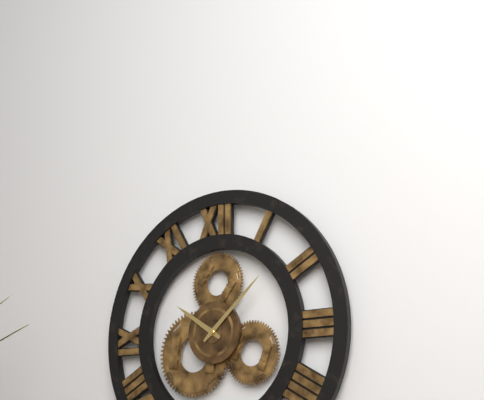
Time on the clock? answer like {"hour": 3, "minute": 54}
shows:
{"hour": 10, "minute": 8}
